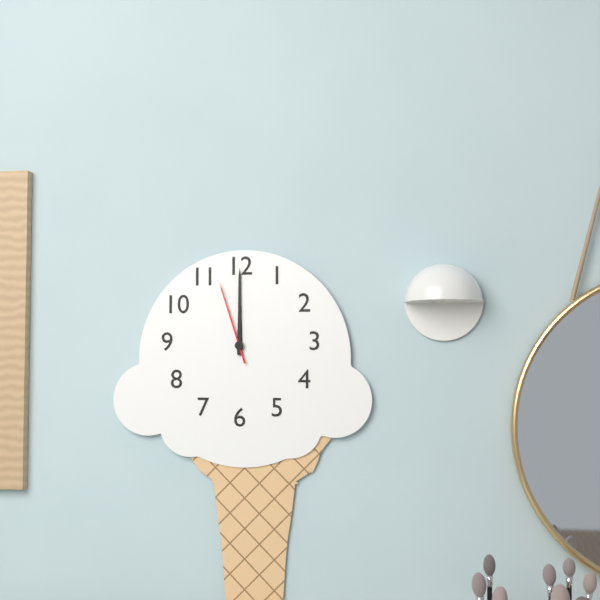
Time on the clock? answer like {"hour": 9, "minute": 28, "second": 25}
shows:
{"hour": 12, "minute": 0, "second": 57}
